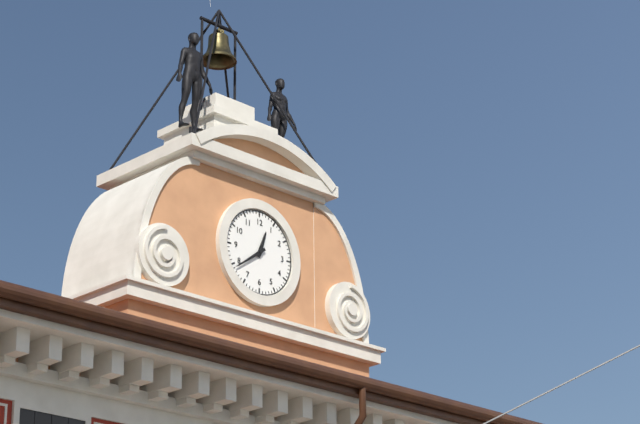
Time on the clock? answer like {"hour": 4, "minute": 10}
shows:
{"hour": 12, "minute": 39}
